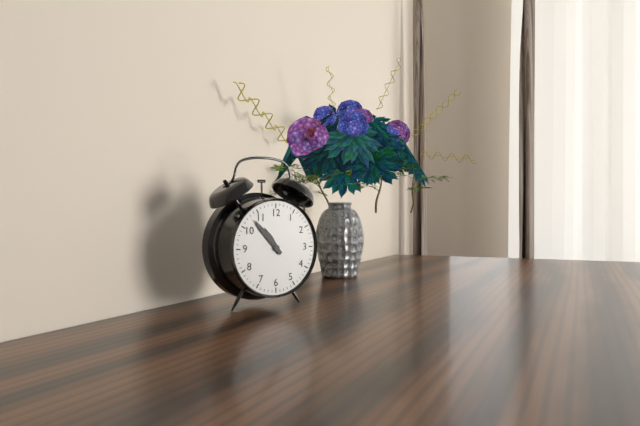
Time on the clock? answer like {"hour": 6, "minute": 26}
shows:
{"hour": 10, "minute": 53}
